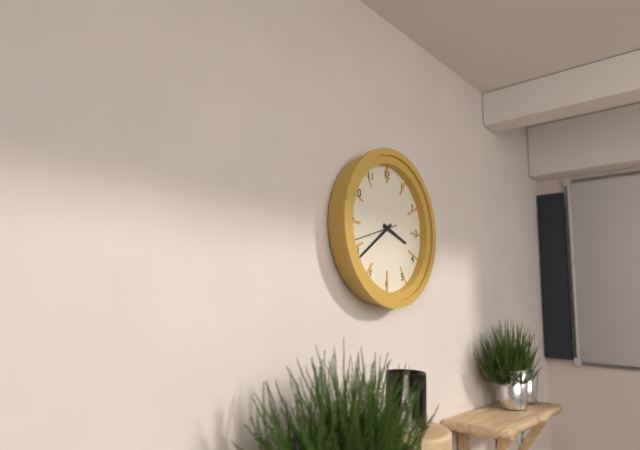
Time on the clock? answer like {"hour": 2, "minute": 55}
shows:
{"hour": 3, "minute": 39}
